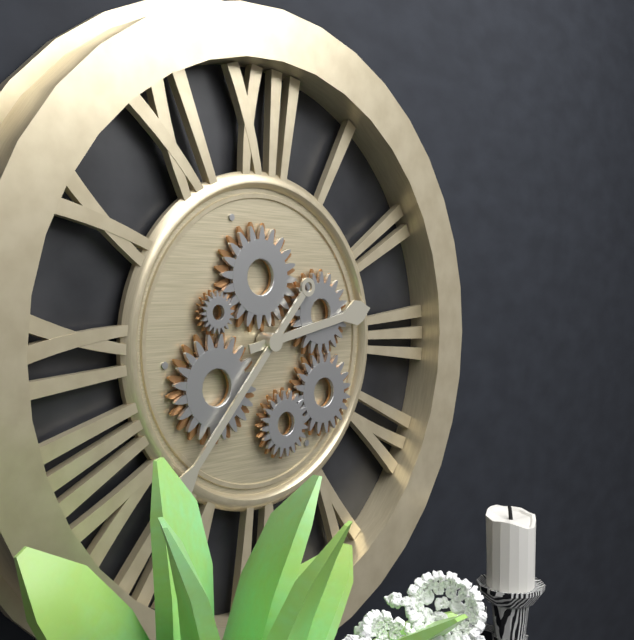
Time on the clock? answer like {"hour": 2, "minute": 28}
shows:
{"hour": 2, "minute": 37}
